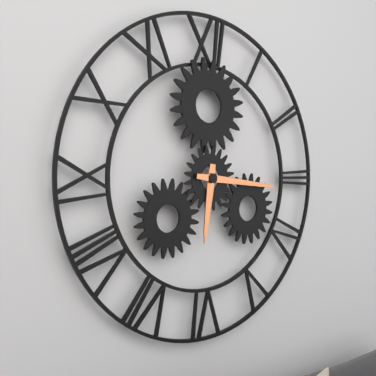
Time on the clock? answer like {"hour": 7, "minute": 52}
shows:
{"hour": 6, "minute": 16}
